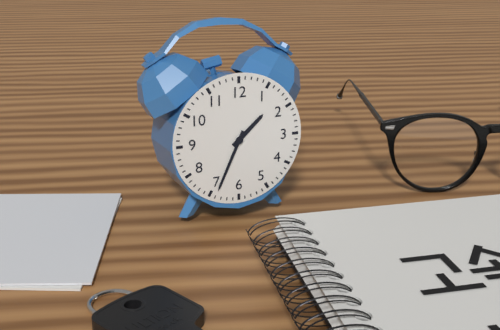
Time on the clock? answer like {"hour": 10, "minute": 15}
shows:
{"hour": 1, "minute": 34}
